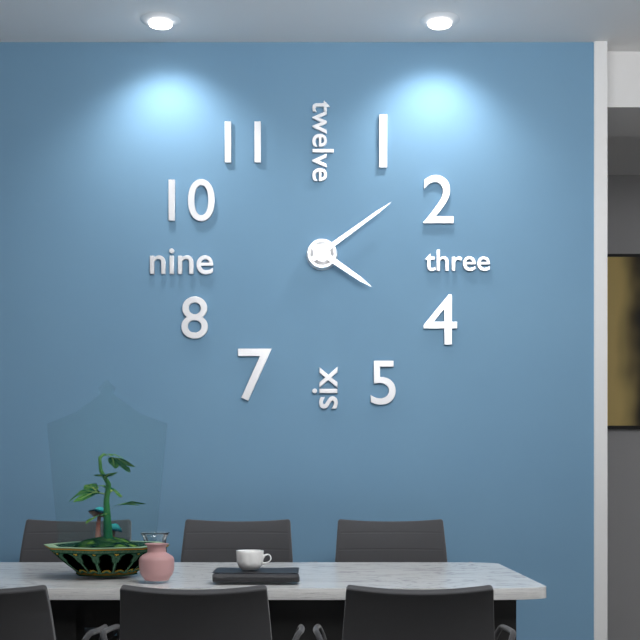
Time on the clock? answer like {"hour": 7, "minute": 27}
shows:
{"hour": 4, "minute": 9}
